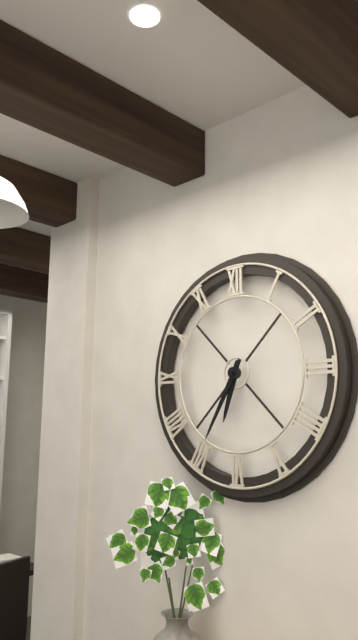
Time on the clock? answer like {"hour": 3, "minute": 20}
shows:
{"hour": 6, "minute": 35}
